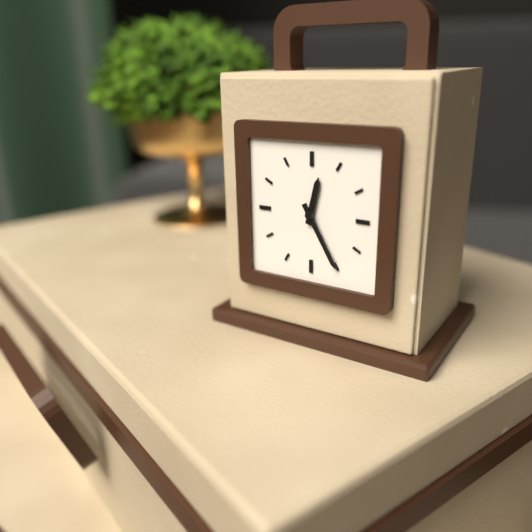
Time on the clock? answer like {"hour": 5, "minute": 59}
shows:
{"hour": 12, "minute": 25}
